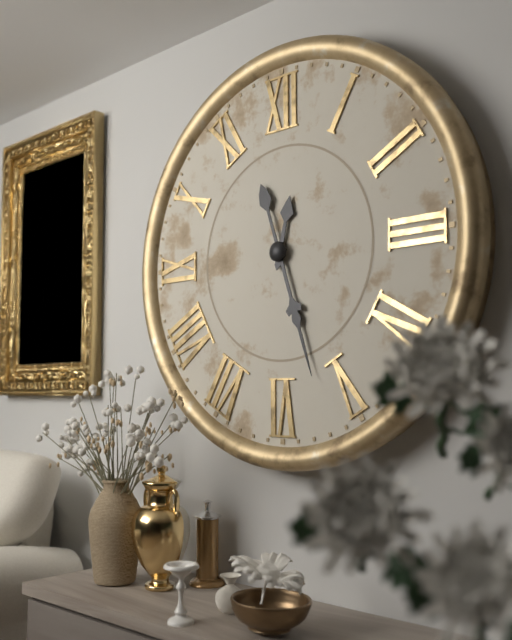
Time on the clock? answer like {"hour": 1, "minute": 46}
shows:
{"hour": 12, "minute": 27}
